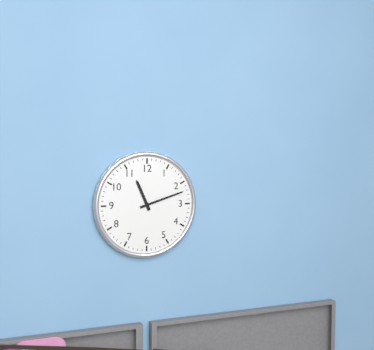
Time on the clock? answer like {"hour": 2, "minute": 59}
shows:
{"hour": 11, "minute": 12}
